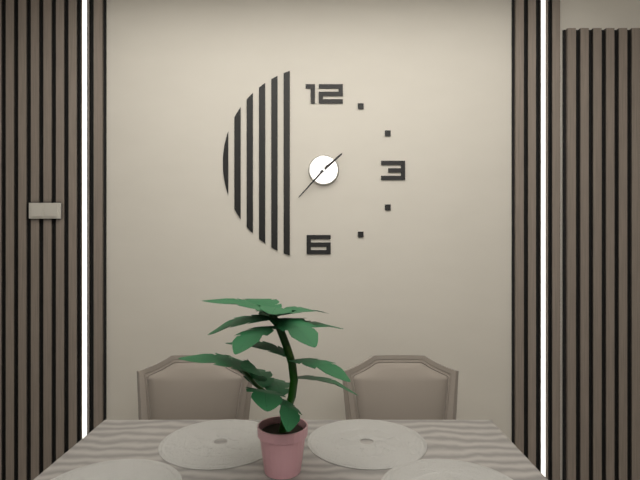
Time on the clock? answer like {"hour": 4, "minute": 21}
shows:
{"hour": 1, "minute": 37}
